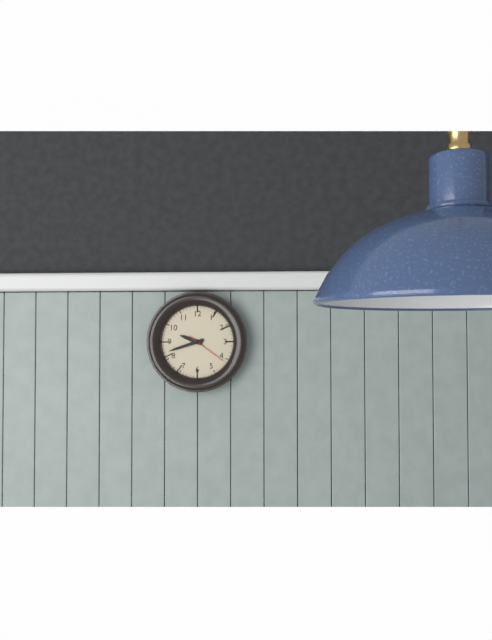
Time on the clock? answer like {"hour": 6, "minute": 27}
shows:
{"hour": 9, "minute": 42}
